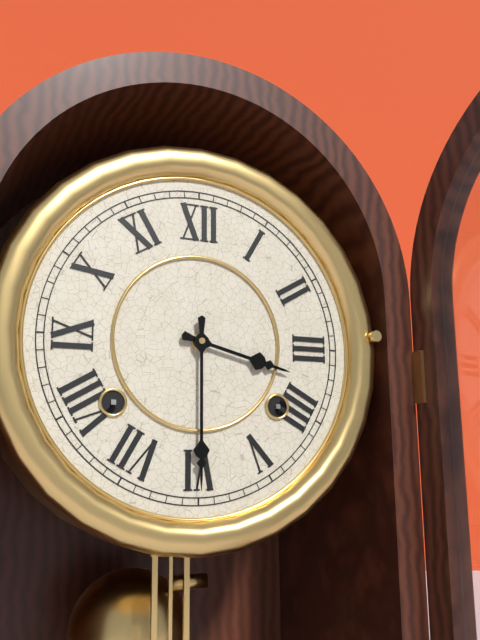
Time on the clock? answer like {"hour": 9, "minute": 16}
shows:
{"hour": 3, "minute": 30}
